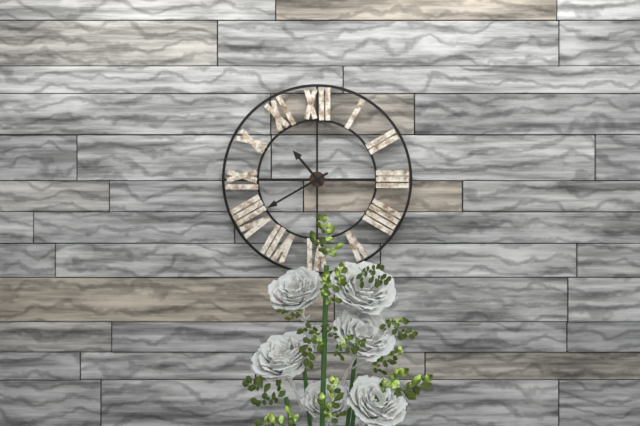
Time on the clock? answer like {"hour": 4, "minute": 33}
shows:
{"hour": 10, "minute": 40}
